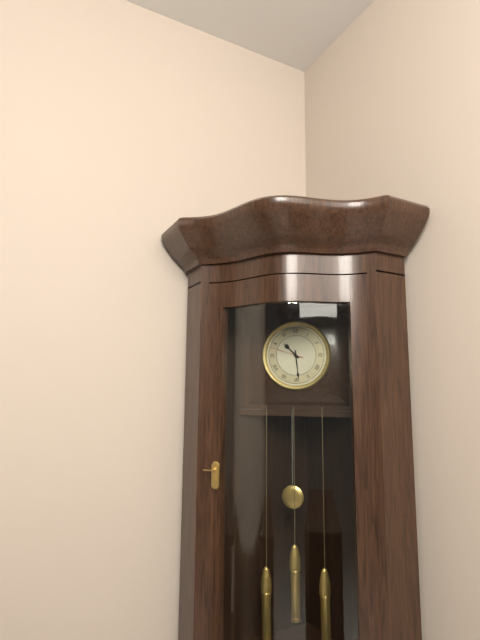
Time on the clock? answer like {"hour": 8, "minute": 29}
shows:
{"hour": 10, "minute": 29}
